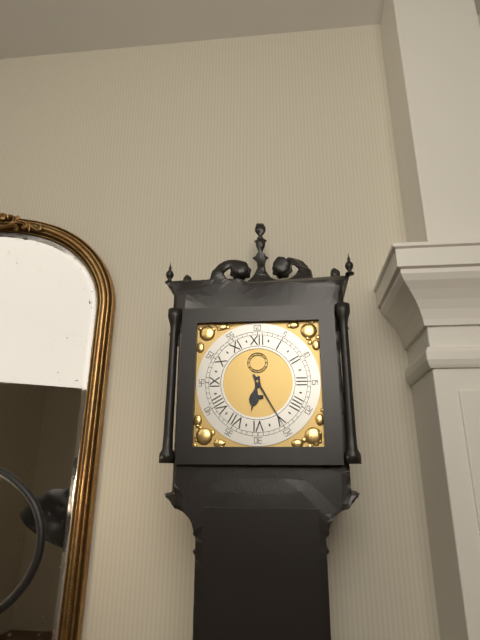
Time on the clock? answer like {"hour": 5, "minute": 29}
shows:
{"hour": 6, "minute": 25}
